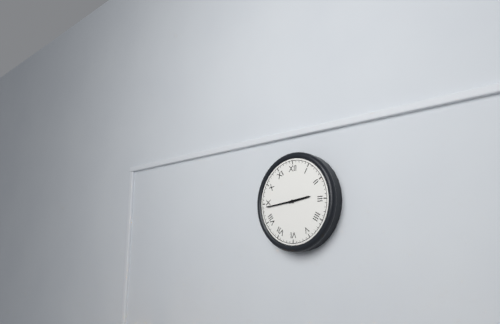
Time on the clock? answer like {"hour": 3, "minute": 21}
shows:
{"hour": 2, "minute": 44}
